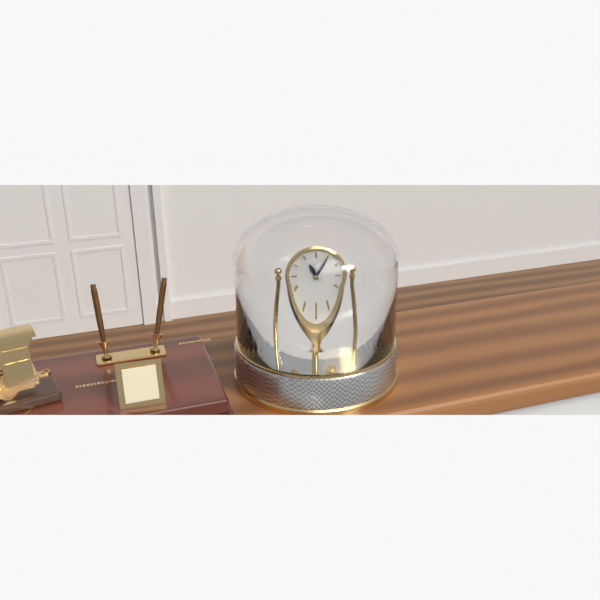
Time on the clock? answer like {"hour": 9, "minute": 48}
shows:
{"hour": 11, "minute": 5}
